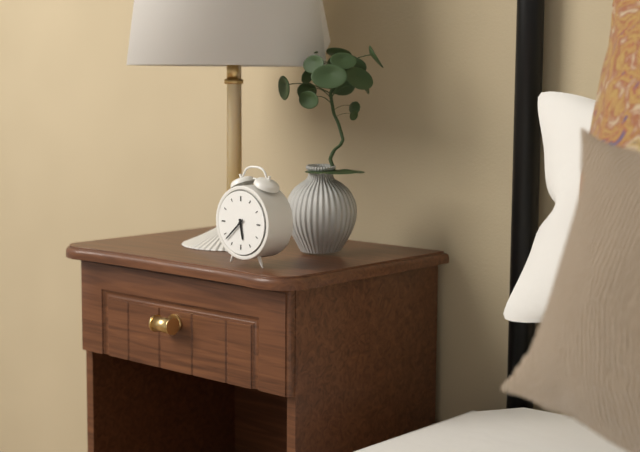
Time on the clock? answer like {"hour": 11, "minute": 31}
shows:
{"hour": 5, "minute": 38}
